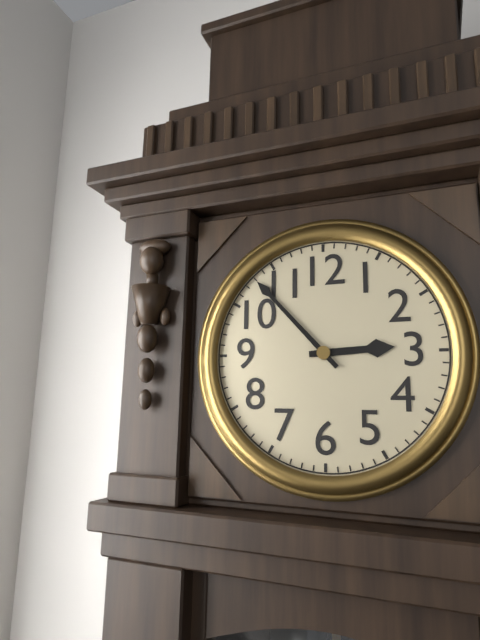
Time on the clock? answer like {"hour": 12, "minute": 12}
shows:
{"hour": 2, "minute": 53}
